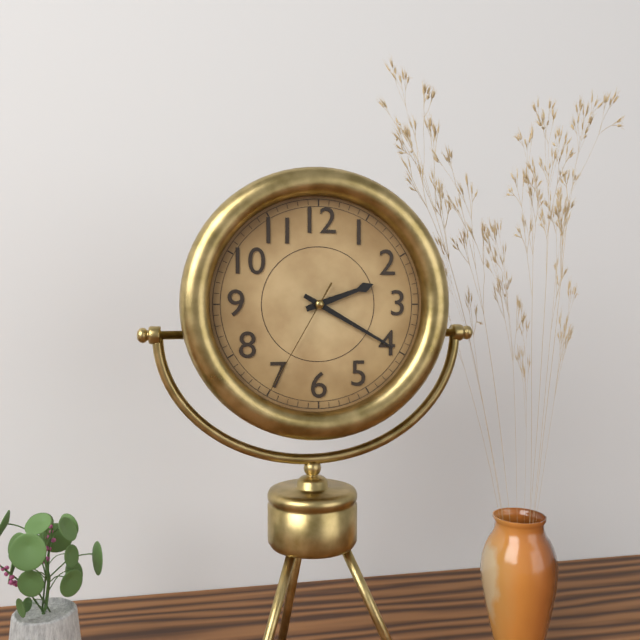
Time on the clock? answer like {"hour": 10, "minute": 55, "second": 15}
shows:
{"hour": 2, "minute": 20, "second": 35}
